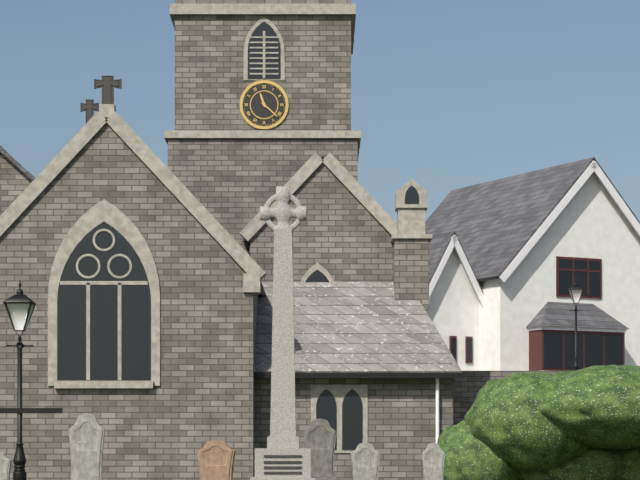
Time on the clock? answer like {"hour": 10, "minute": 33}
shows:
{"hour": 11, "minute": 22}
